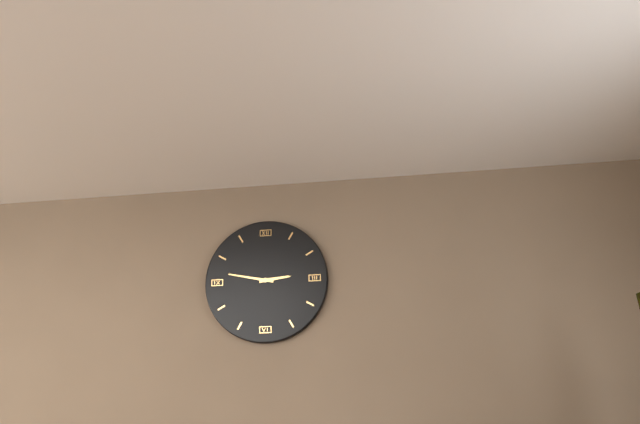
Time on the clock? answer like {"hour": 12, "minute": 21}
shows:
{"hour": 2, "minute": 47}
